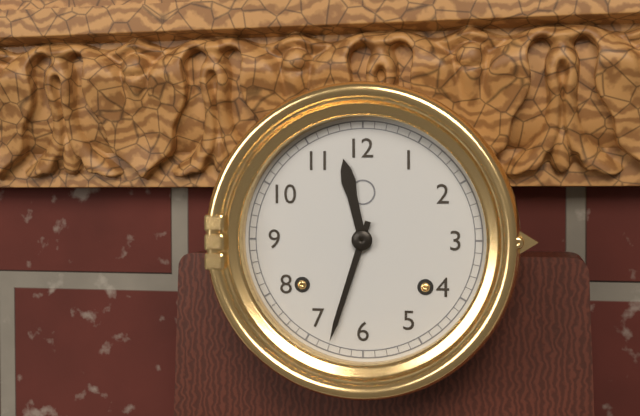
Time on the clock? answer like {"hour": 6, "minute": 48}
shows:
{"hour": 11, "minute": 33}
